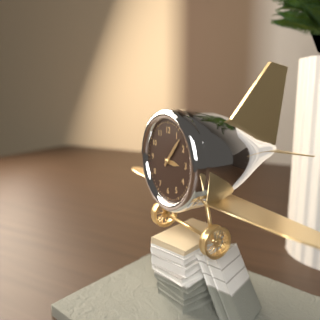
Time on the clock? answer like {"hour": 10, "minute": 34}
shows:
{"hour": 3, "minute": 7}
